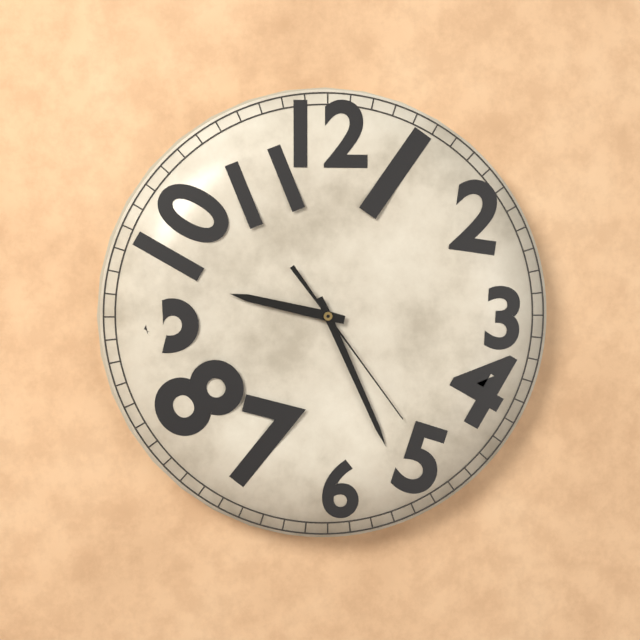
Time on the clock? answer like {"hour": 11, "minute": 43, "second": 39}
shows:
{"hour": 9, "minute": 26, "second": 24}
